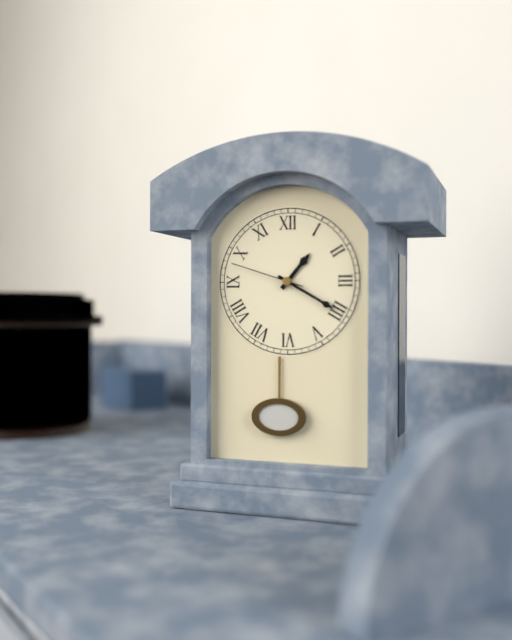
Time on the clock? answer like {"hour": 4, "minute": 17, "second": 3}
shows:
{"hour": 1, "minute": 20, "second": 48}
